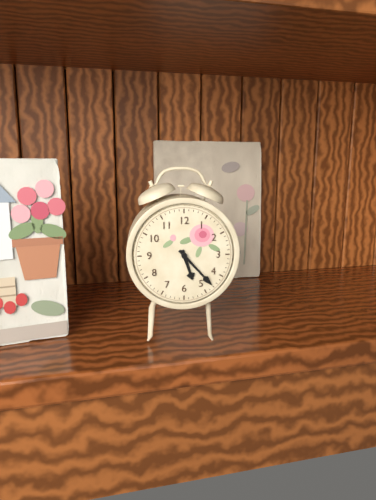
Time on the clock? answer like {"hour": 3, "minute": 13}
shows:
{"hour": 5, "minute": 23}
